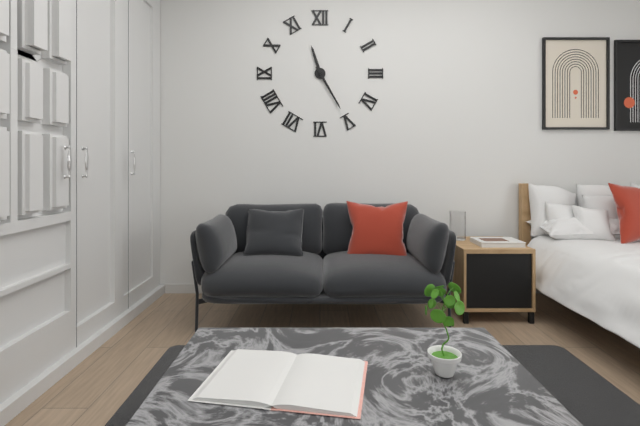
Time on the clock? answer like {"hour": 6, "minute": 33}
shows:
{"hour": 11, "minute": 25}
